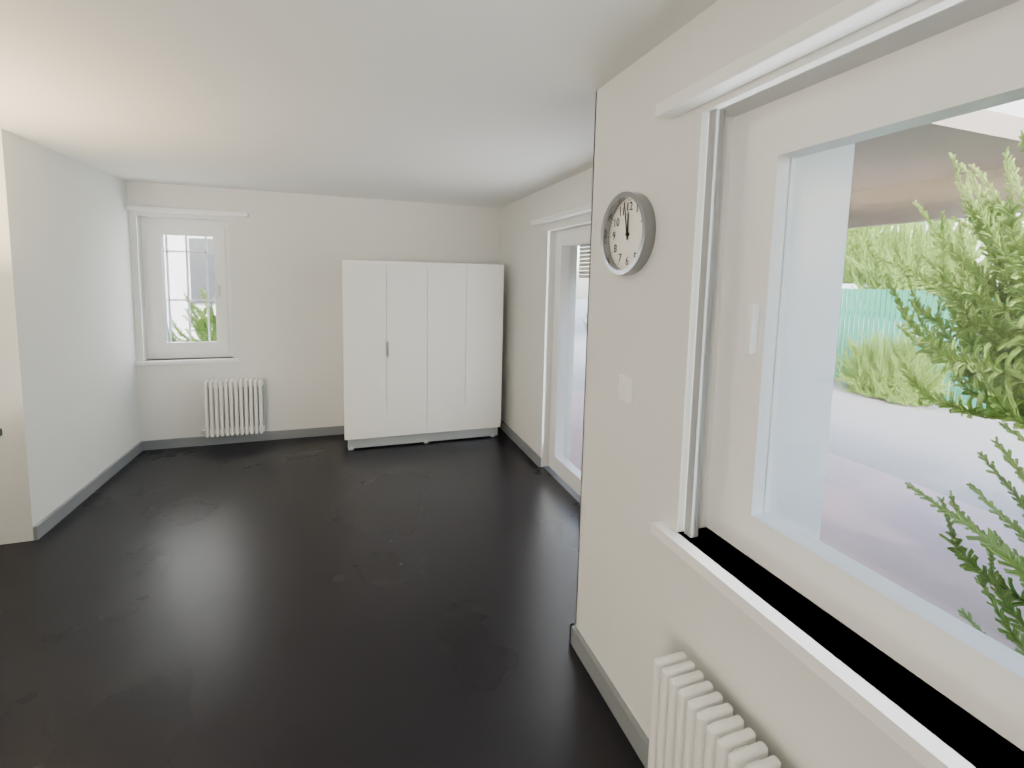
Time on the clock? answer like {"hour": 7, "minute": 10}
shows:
{"hour": 11, "minute": 58}
